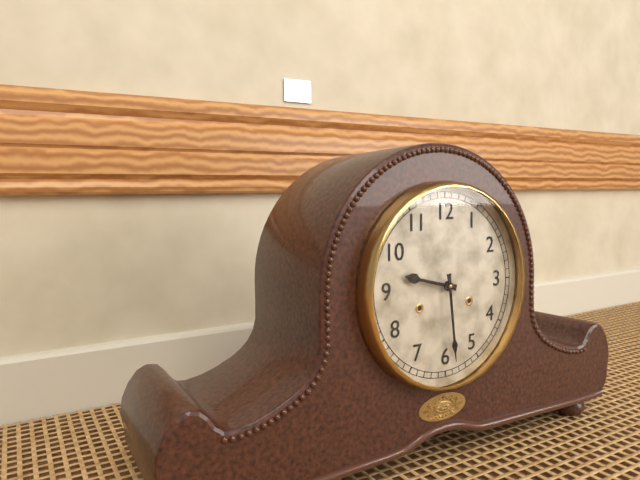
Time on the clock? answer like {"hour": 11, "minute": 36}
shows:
{"hour": 9, "minute": 29}
